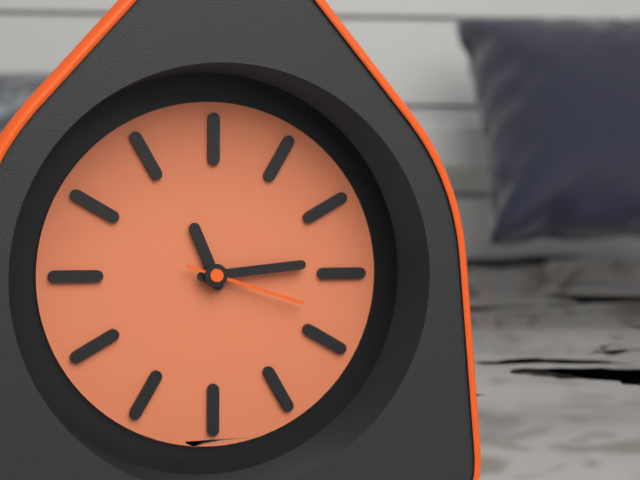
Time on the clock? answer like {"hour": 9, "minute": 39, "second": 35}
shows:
{"hour": 11, "minute": 14, "second": 18}
